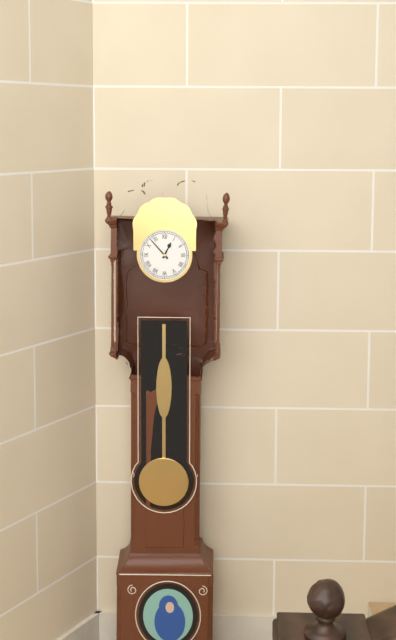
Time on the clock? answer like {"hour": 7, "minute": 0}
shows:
{"hour": 12, "minute": 53}
